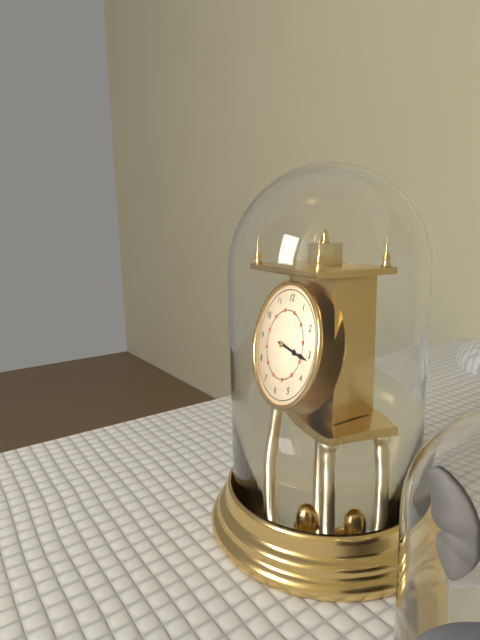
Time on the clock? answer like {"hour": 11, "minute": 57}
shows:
{"hour": 3, "minute": 16}
